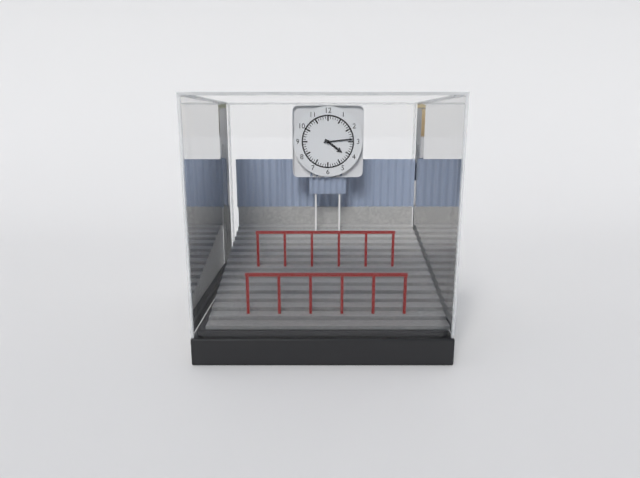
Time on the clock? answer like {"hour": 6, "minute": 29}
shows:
{"hour": 4, "minute": 14}
